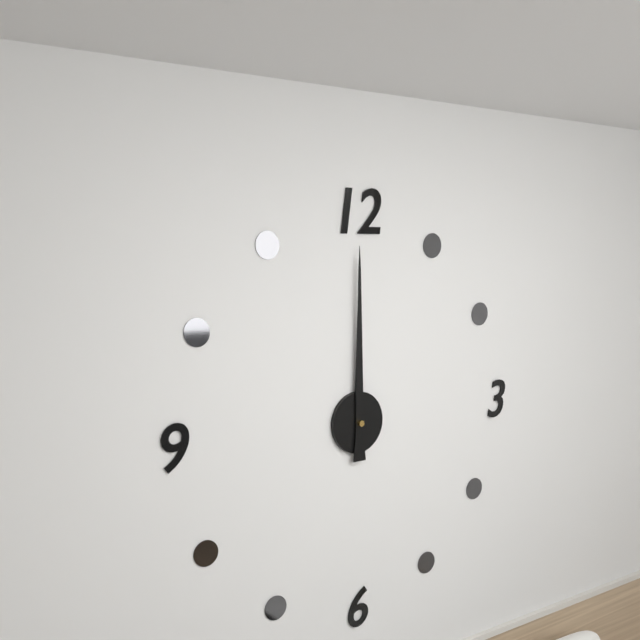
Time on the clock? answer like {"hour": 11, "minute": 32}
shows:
{"hour": 12, "minute": 0}
